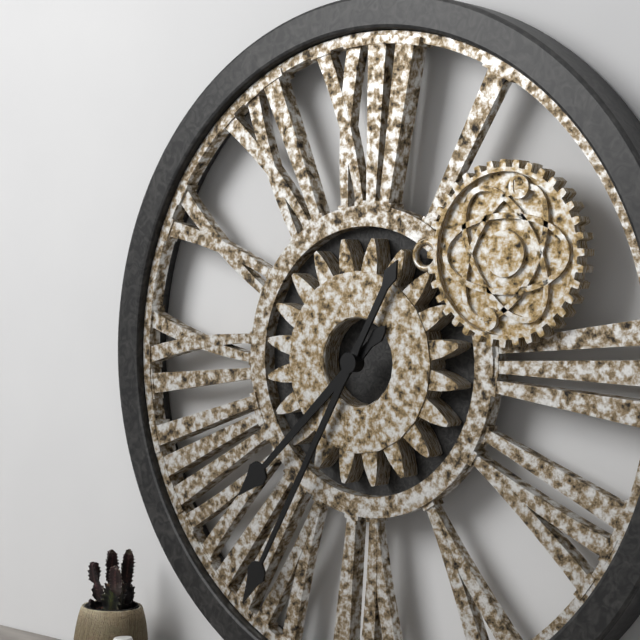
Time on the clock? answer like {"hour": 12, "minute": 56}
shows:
{"hour": 7, "minute": 35}
